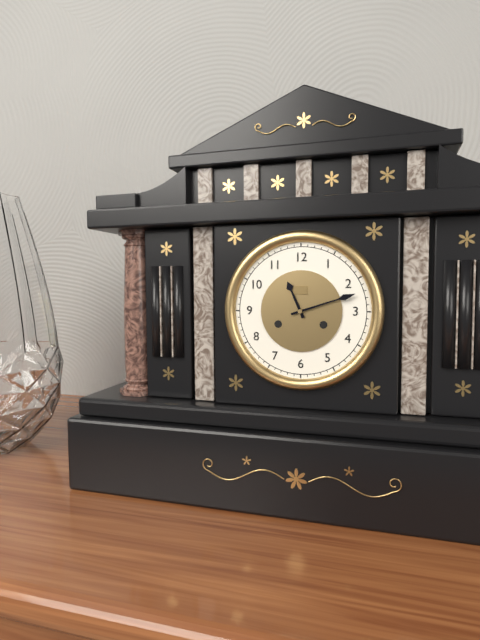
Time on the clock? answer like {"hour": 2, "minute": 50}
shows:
{"hour": 11, "minute": 12}
